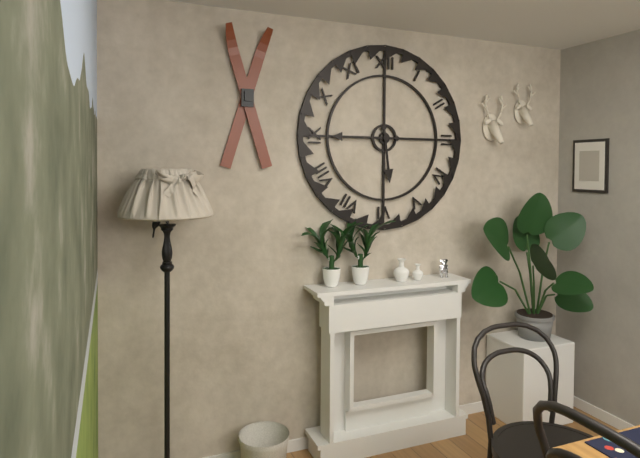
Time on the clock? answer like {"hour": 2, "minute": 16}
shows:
{"hour": 5, "minute": 45}
